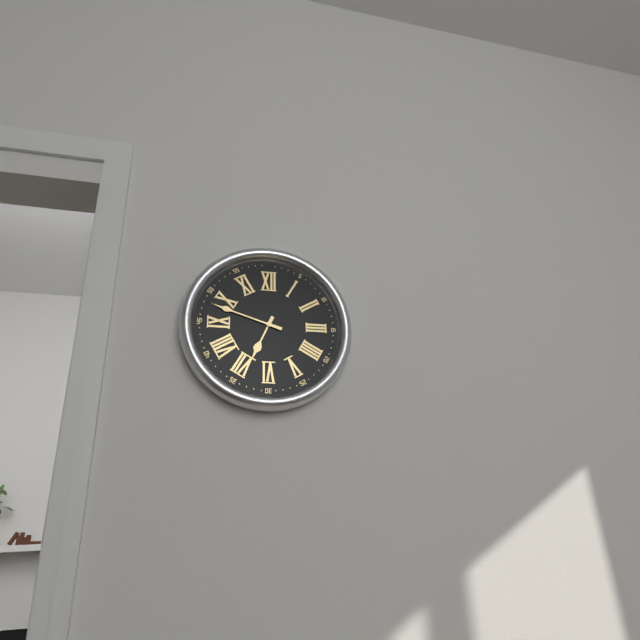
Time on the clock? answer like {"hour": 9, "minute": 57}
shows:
{"hour": 6, "minute": 48}
